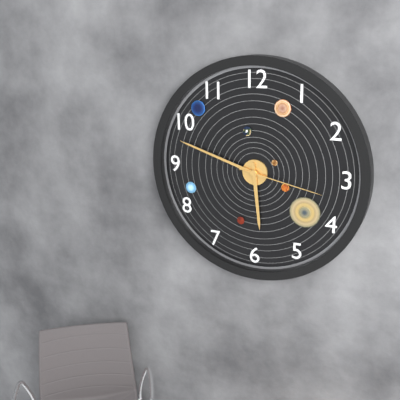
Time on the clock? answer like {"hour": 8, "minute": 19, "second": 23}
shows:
{"hour": 5, "minute": 48, "second": 17}
